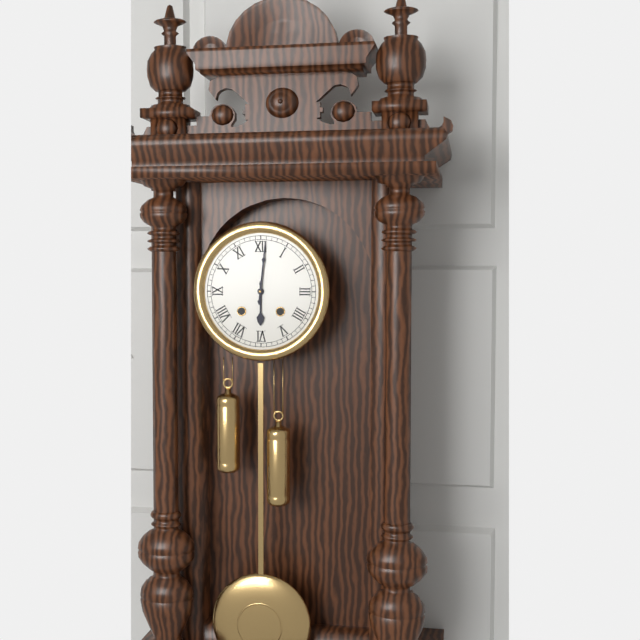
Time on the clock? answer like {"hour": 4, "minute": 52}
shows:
{"hour": 6, "minute": 1}
